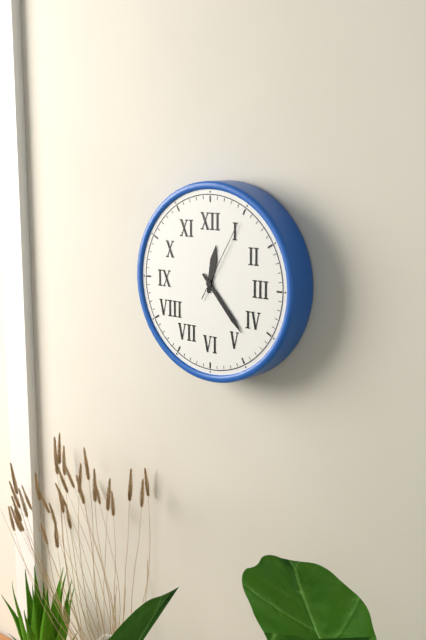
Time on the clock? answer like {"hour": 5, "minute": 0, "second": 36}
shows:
{"hour": 12, "minute": 23, "second": 5}
